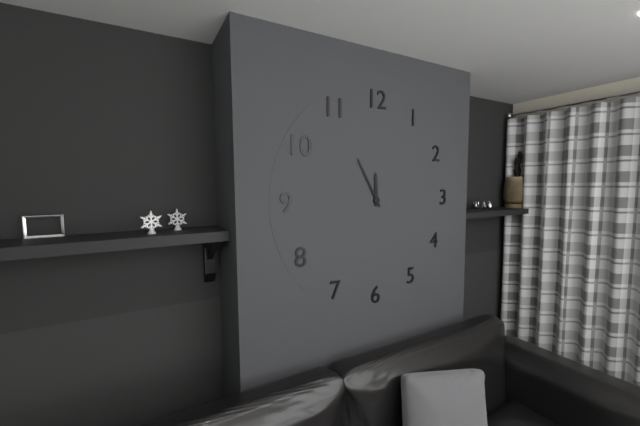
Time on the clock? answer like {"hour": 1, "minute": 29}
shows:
{"hour": 11, "minute": 55}
